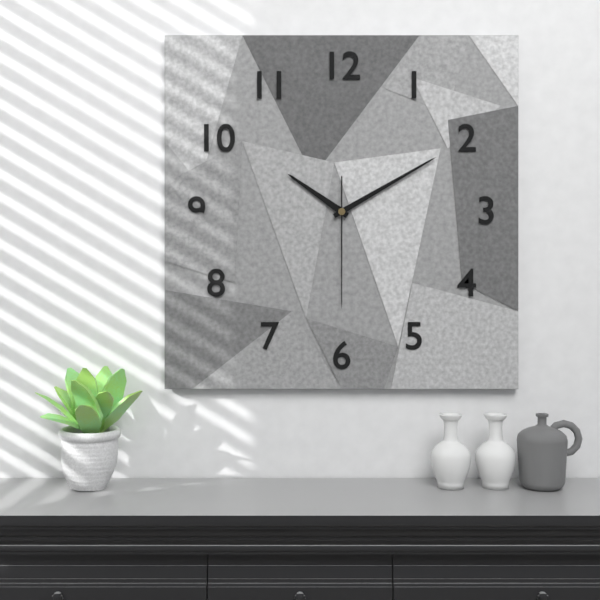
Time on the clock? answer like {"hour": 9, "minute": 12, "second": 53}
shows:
{"hour": 10, "minute": 10, "second": 30}
